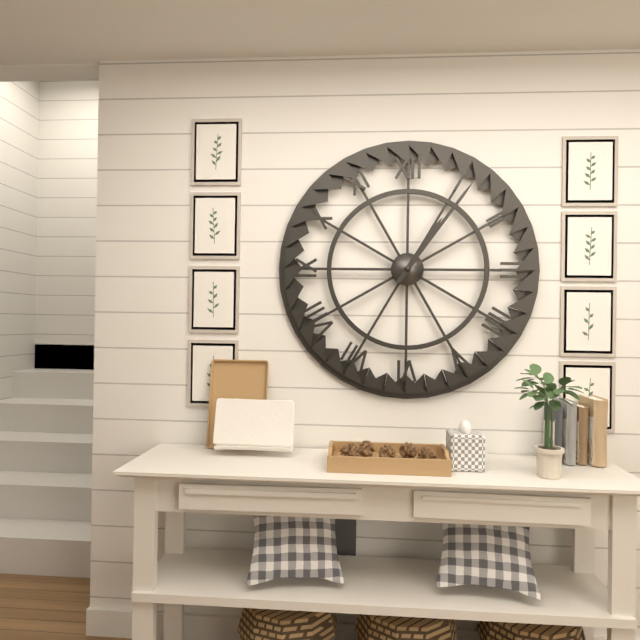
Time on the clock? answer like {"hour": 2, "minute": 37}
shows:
{"hour": 1, "minute": 6}
